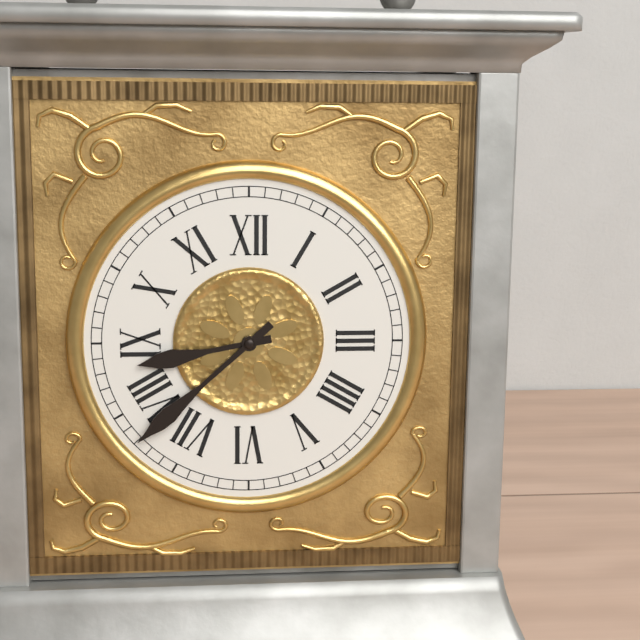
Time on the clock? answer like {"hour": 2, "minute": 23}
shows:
{"hour": 8, "minute": 38}
